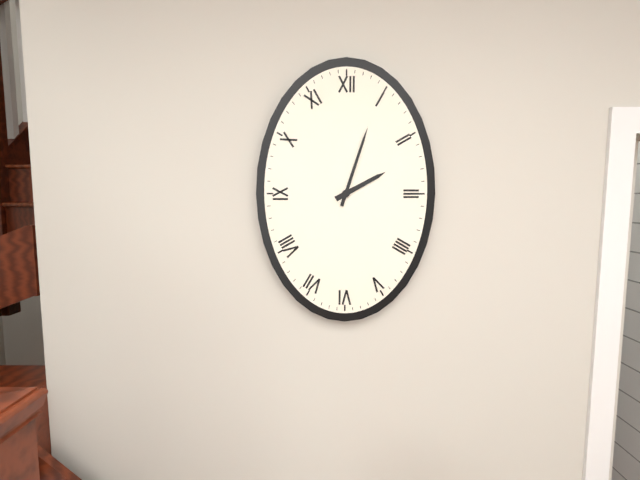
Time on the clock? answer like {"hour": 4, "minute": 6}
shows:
{"hour": 2, "minute": 3}
